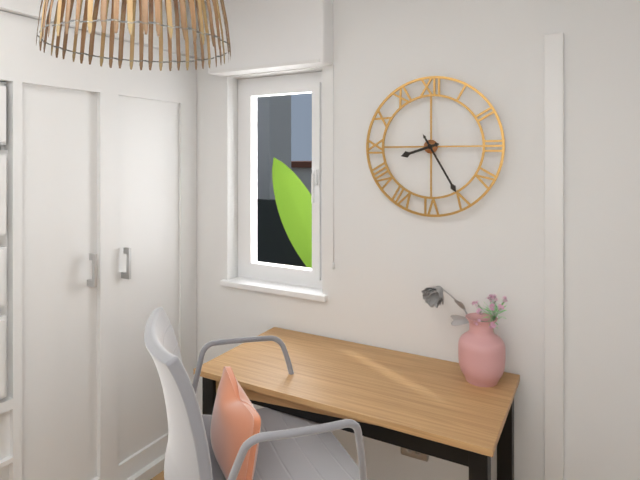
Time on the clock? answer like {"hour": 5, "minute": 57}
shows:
{"hour": 8, "minute": 25}
